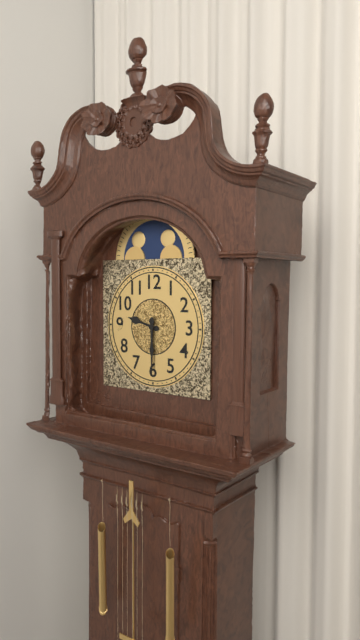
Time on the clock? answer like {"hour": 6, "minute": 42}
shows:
{"hour": 9, "minute": 30}
